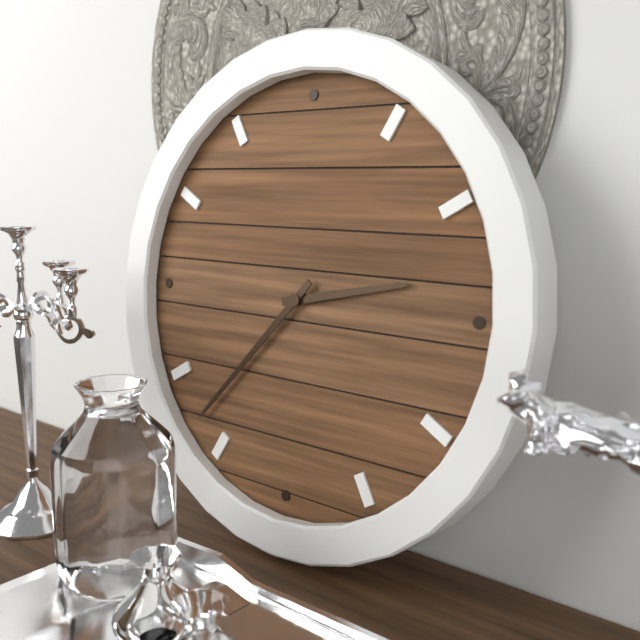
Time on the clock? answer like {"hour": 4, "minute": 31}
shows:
{"hour": 2, "minute": 37}
